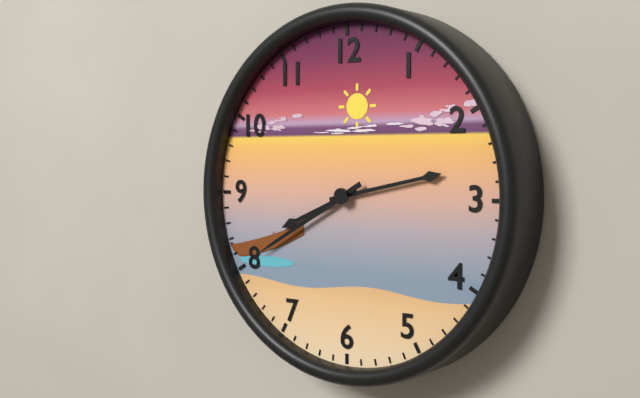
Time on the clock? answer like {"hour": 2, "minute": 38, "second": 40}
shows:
{"hour": 8, "minute": 13, "second": 40}
